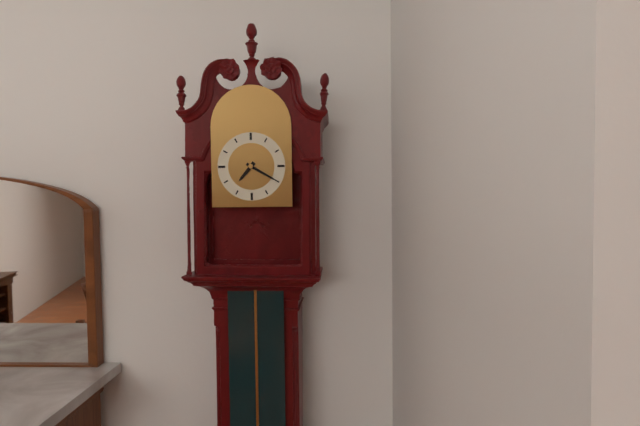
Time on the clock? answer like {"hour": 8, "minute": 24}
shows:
{"hour": 7, "minute": 20}
